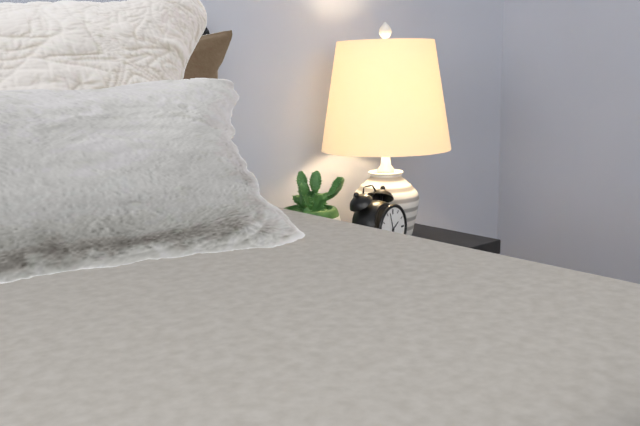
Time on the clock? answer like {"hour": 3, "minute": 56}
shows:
{"hour": 1, "minute": 57}
